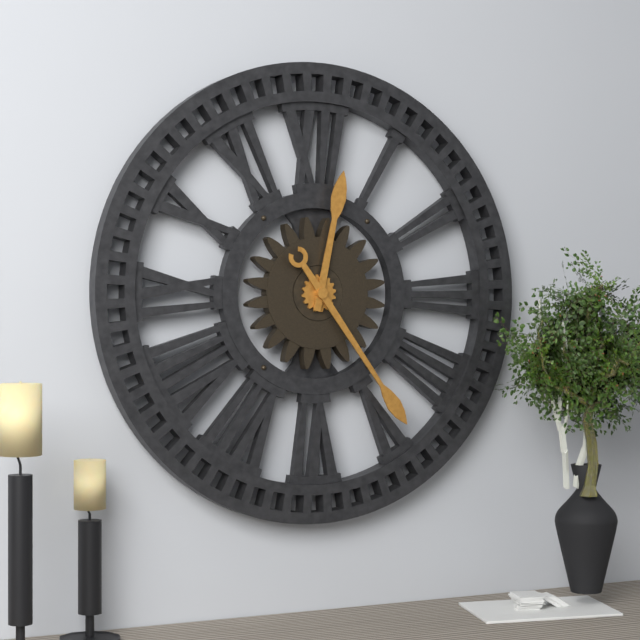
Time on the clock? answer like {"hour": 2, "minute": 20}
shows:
{"hour": 12, "minute": 24}
